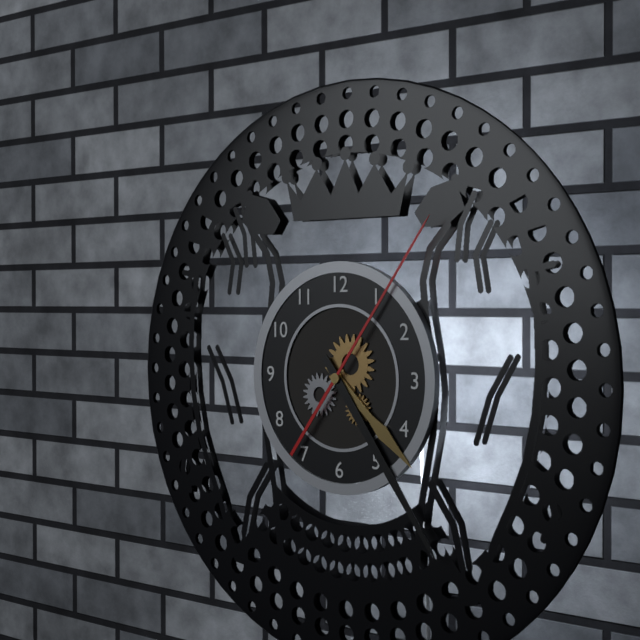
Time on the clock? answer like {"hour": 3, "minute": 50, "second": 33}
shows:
{"hour": 4, "minute": 24, "second": 6}
